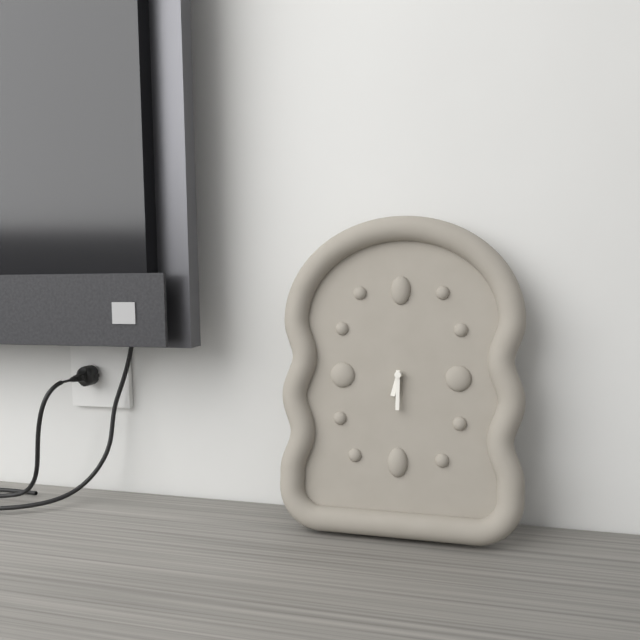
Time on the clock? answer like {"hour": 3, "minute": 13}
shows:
{"hour": 6, "minute": 30}
